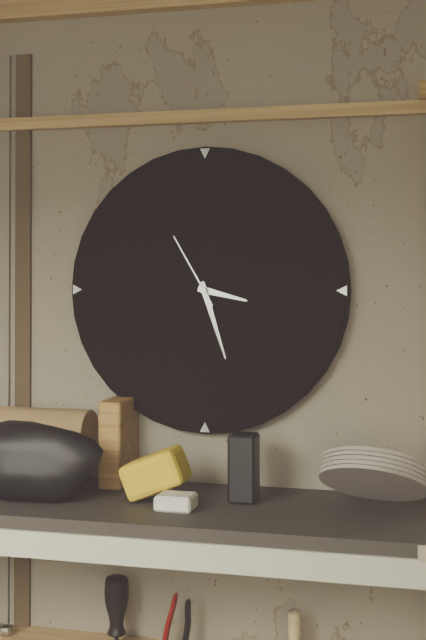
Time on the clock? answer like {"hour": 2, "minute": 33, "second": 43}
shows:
{"hour": 3, "minute": 27, "second": 55}
